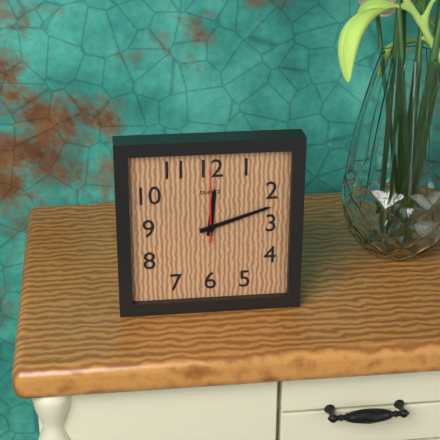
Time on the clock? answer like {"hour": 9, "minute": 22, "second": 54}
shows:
{"hour": 12, "minute": 12, "second": 0}
